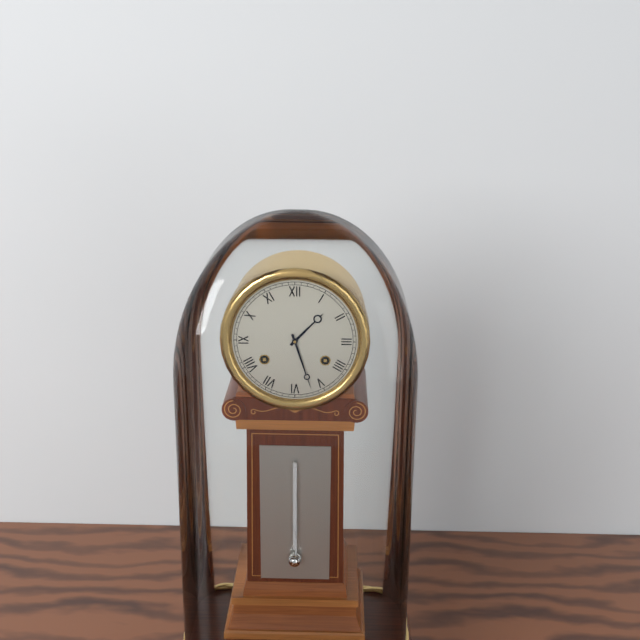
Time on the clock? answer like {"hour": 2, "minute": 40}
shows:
{"hour": 1, "minute": 27}
